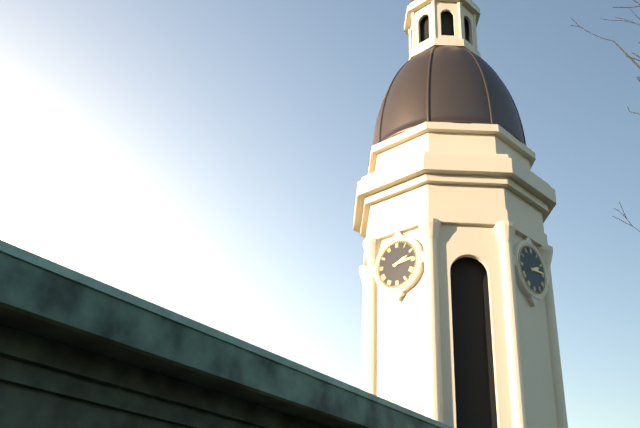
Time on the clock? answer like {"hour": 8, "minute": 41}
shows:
{"hour": 2, "minute": 14}
